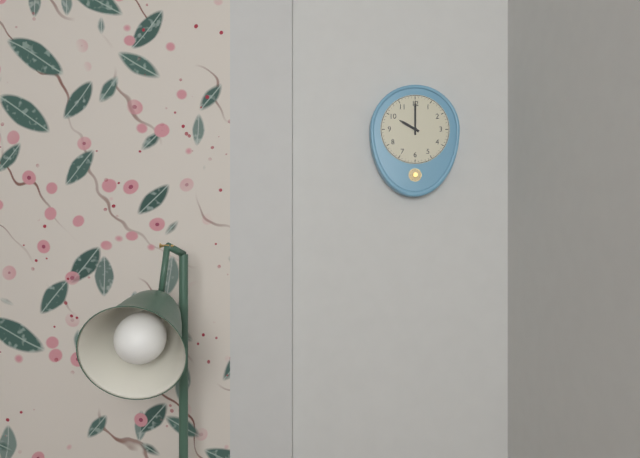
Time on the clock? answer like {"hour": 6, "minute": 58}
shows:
{"hour": 10, "minute": 0}
